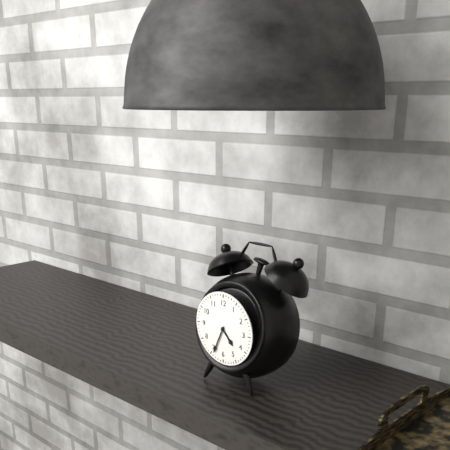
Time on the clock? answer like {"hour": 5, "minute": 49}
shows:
{"hour": 4, "minute": 34}
